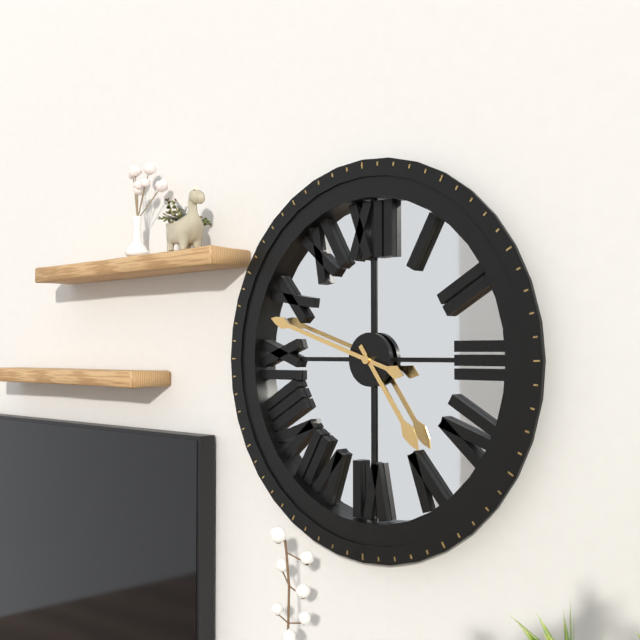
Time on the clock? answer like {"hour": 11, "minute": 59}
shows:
{"hour": 4, "minute": 48}
